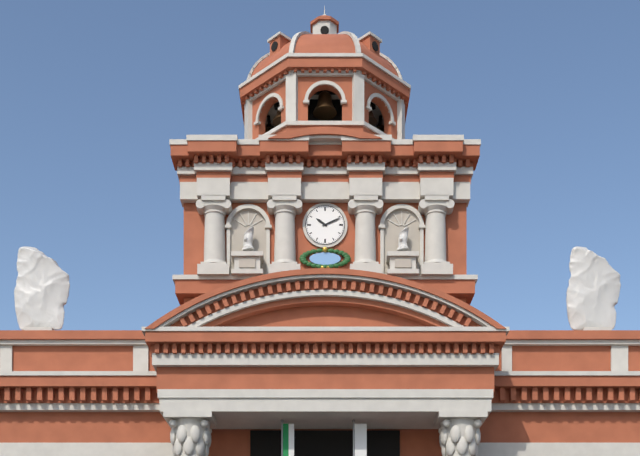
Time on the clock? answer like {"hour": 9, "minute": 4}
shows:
{"hour": 10, "minute": 11}
